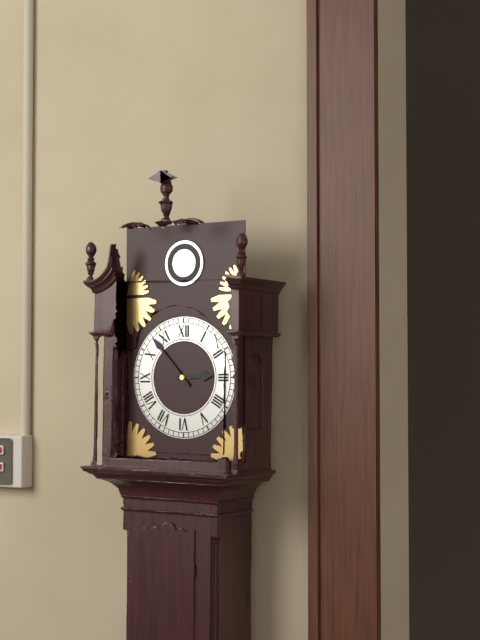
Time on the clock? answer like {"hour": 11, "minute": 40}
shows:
{"hour": 2, "minute": 53}
